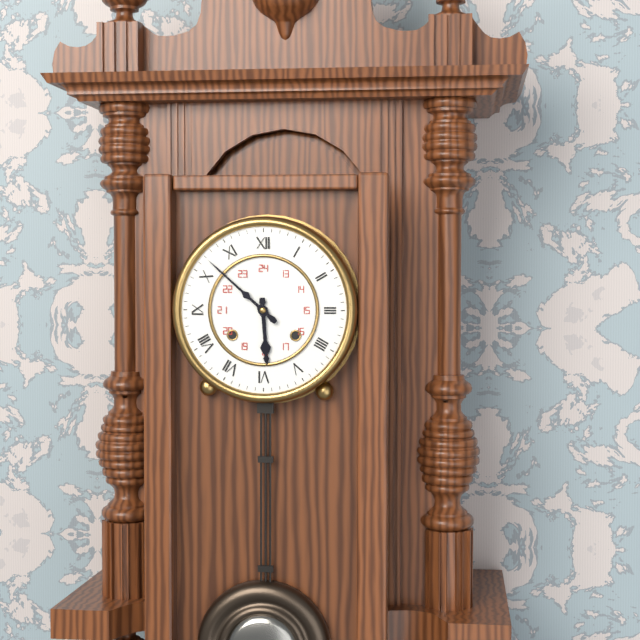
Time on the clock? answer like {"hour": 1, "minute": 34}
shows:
{"hour": 5, "minute": 52}
